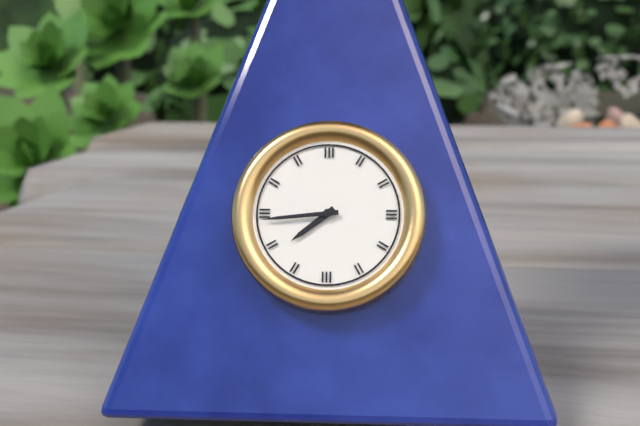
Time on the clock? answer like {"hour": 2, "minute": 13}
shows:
{"hour": 7, "minute": 44}
